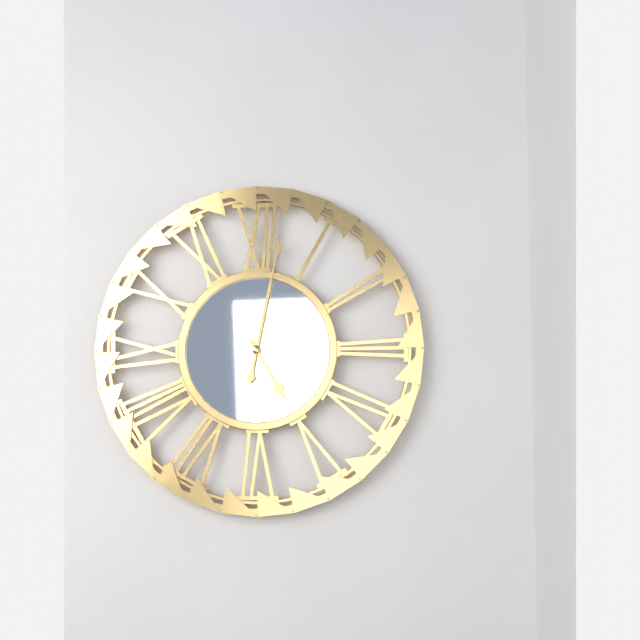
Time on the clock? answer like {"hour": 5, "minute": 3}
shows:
{"hour": 5, "minute": 2}
